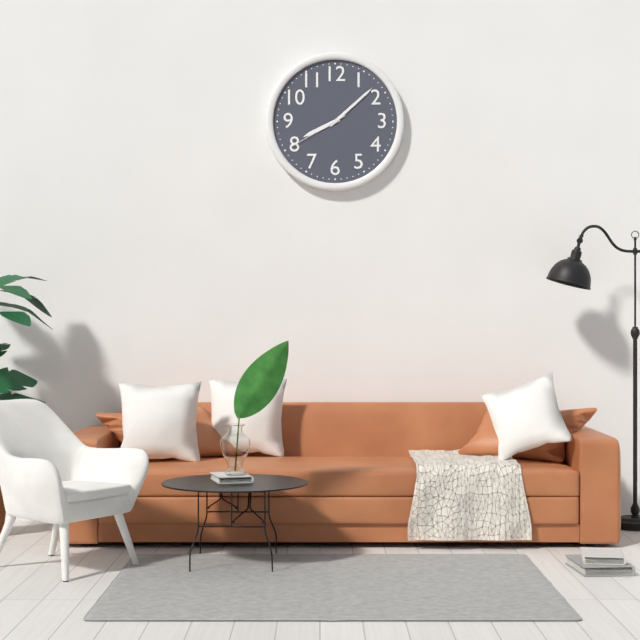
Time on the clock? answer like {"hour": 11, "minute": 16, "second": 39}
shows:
{"hour": 8, "minute": 8, "second": 40}
